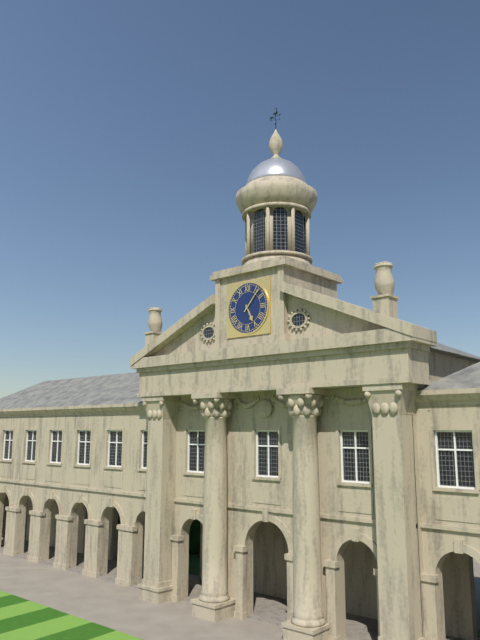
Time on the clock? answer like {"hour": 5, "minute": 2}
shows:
{"hour": 5, "minute": 7}
